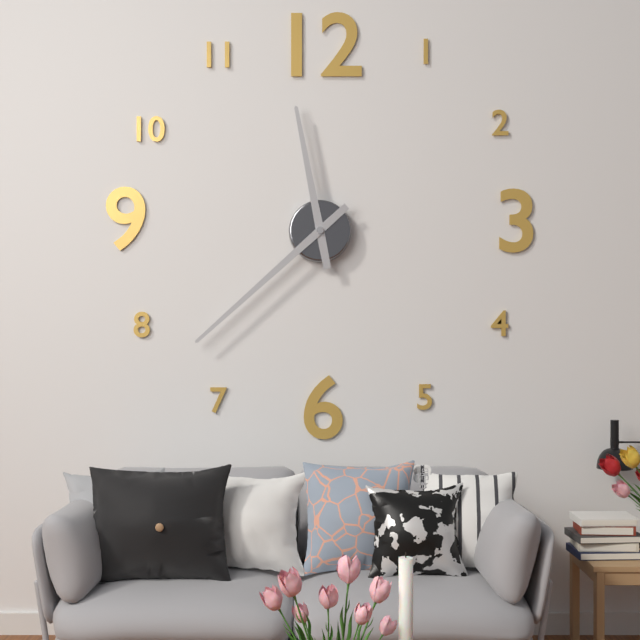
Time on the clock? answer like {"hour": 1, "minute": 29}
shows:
{"hour": 11, "minute": 38}
